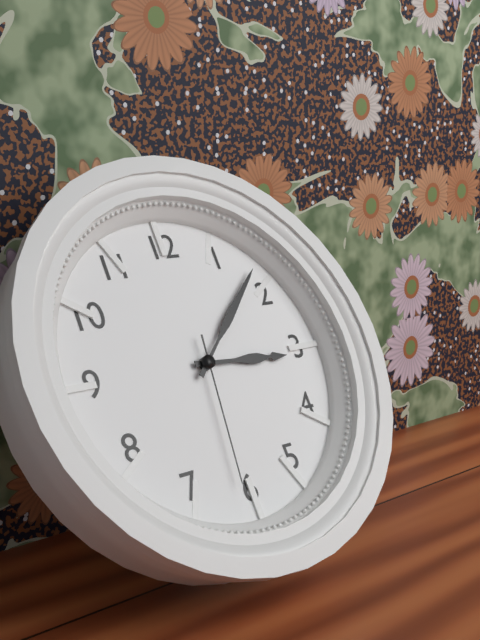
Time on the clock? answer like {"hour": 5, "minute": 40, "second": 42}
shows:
{"hour": 3, "minute": 8, "second": 31}
